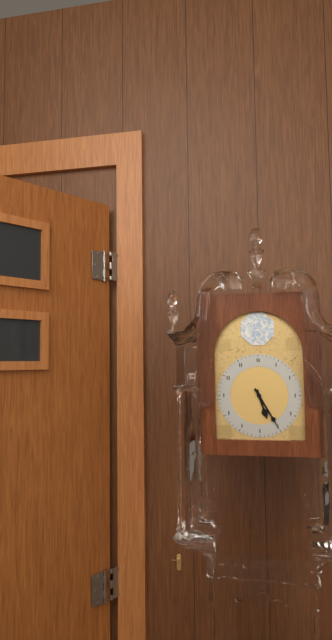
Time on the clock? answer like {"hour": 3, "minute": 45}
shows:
{"hour": 5, "minute": 25}
